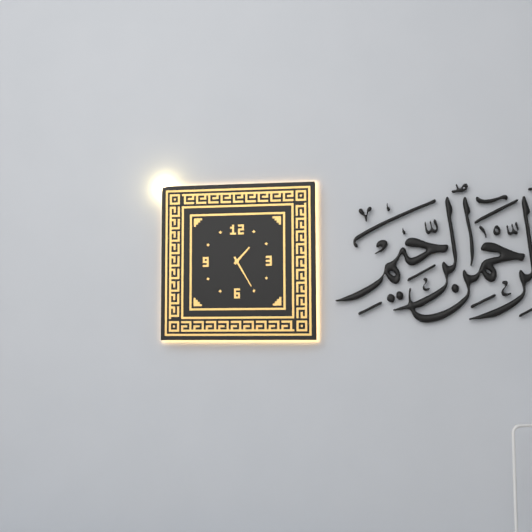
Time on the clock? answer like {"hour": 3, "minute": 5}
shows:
{"hour": 1, "minute": 25}
